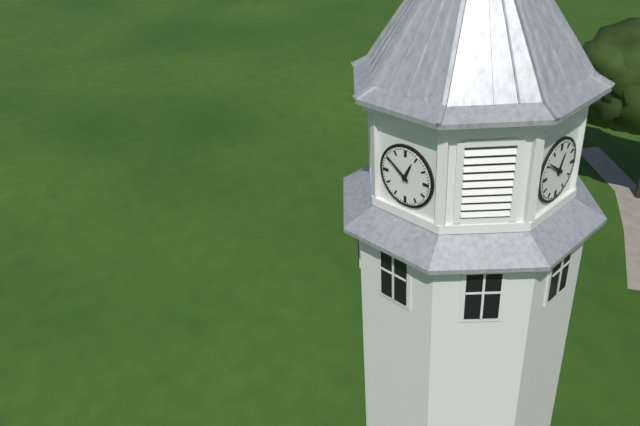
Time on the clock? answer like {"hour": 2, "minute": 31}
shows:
{"hour": 12, "minute": 51}
